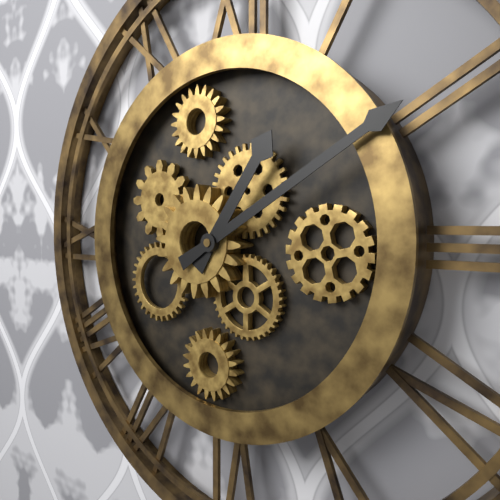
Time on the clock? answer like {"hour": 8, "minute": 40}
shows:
{"hour": 1, "minute": 10}
